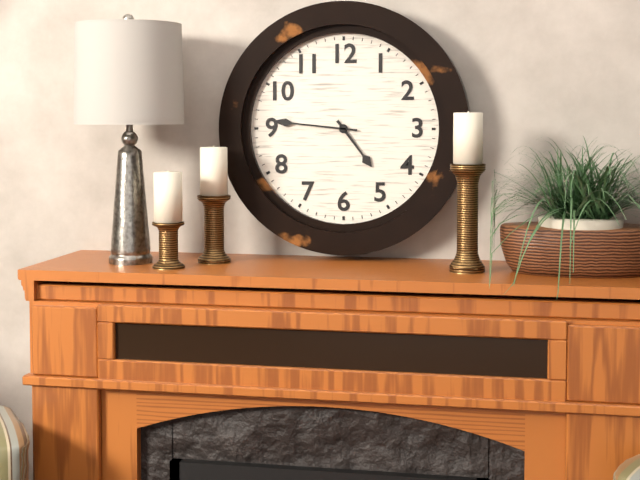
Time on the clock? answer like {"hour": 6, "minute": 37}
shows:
{"hour": 4, "minute": 46}
